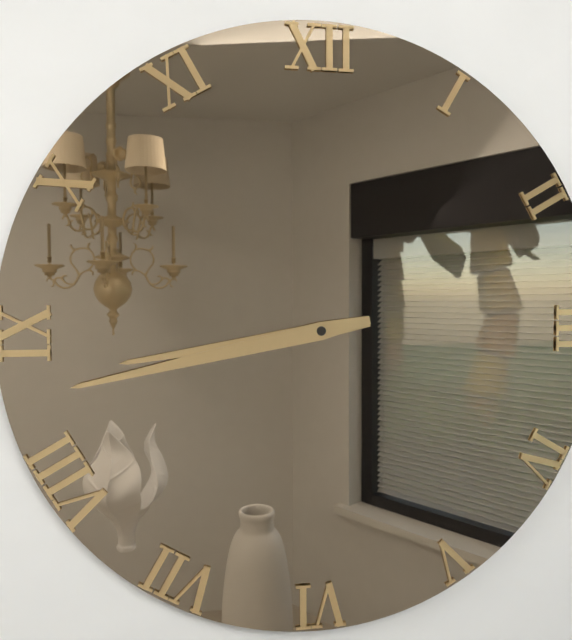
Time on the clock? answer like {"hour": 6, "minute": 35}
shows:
{"hour": 8, "minute": 43}
